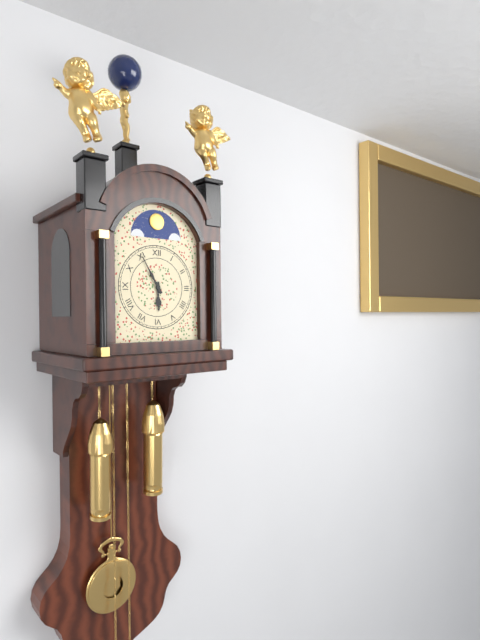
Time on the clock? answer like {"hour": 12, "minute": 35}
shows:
{"hour": 5, "minute": 55}
